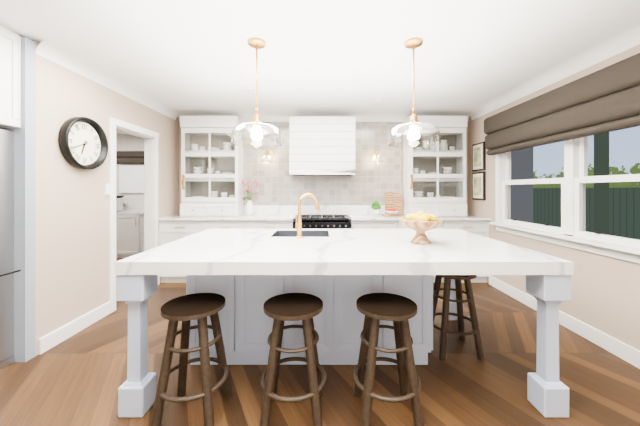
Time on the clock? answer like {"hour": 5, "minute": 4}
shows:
{"hour": 6, "minute": 41}
